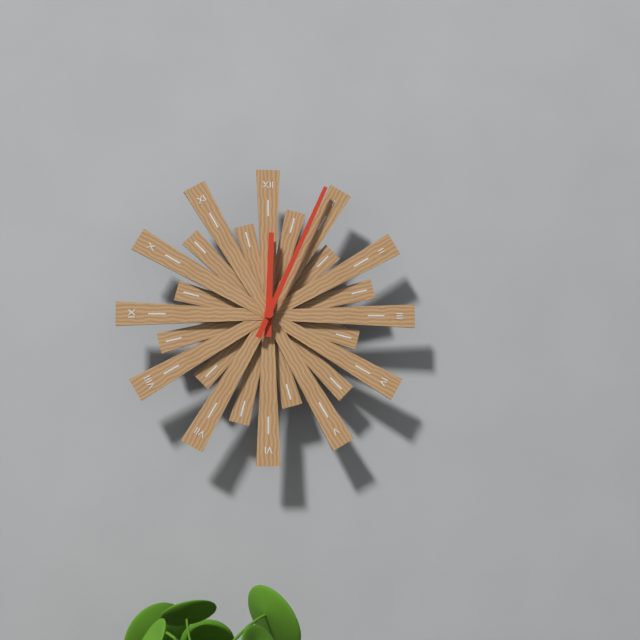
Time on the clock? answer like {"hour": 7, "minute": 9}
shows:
{"hour": 12, "minute": 4}
